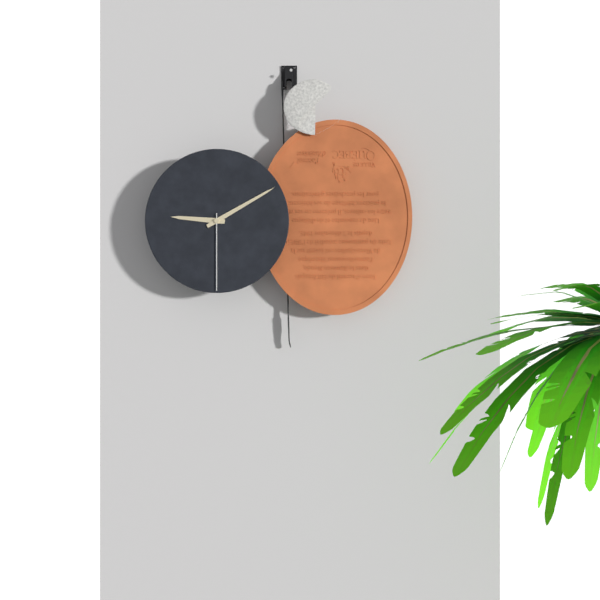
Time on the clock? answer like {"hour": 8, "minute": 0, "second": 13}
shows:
{"hour": 9, "minute": 10, "second": 30}
